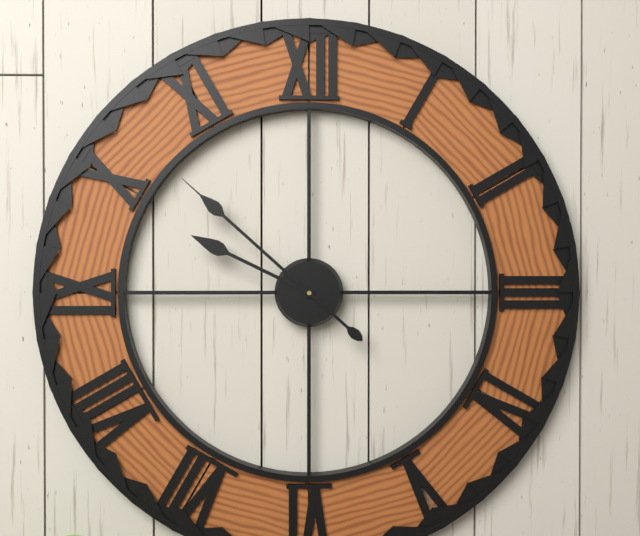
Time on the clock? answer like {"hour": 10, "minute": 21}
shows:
{"hour": 9, "minute": 52}
